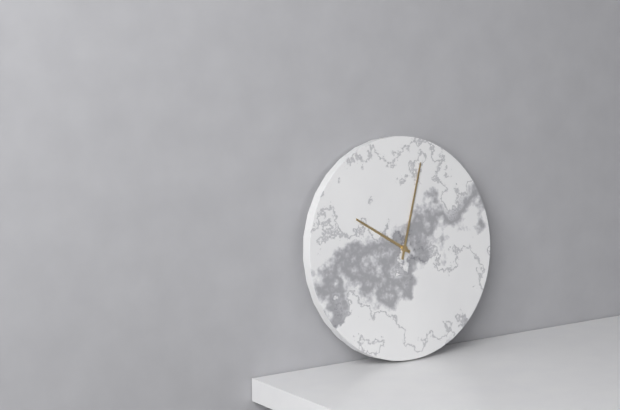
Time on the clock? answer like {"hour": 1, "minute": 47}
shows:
{"hour": 10, "minute": 3}
